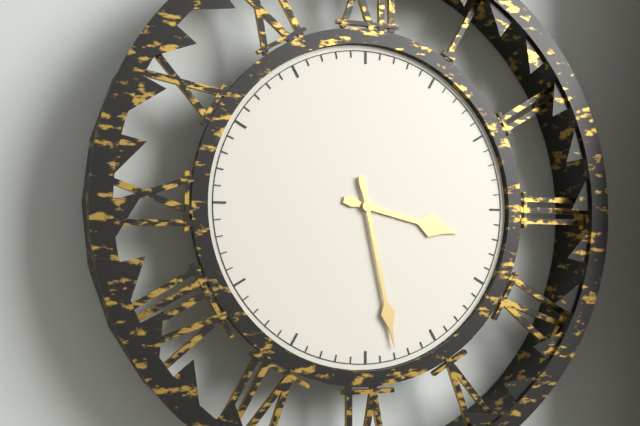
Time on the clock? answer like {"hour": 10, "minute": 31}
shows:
{"hour": 3, "minute": 28}
